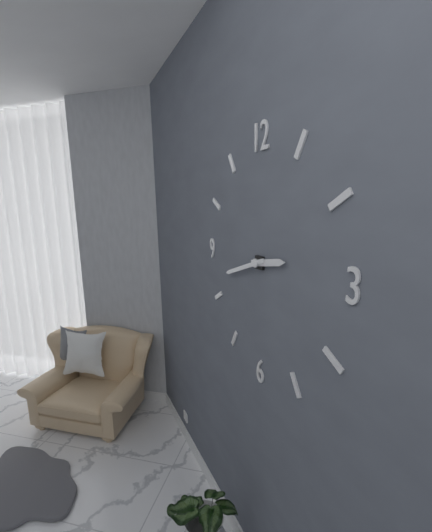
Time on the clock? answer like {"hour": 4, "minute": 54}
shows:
{"hour": 2, "minute": 42}
